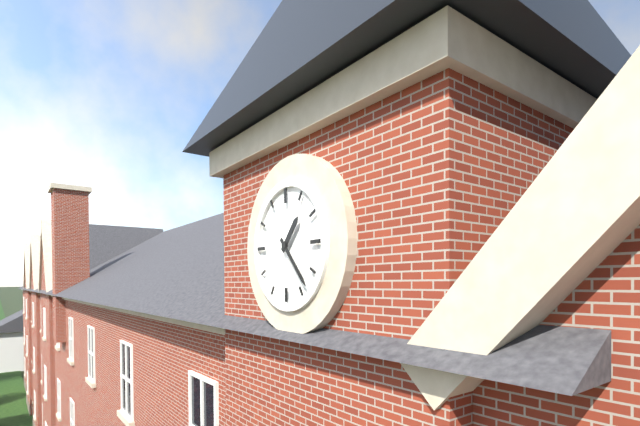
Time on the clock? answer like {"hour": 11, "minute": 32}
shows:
{"hour": 1, "minute": 23}
